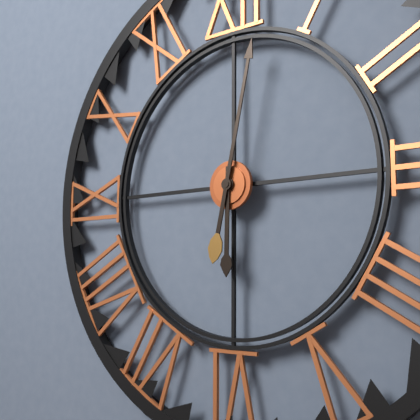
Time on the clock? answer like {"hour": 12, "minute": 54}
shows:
{"hour": 6, "minute": 2}
